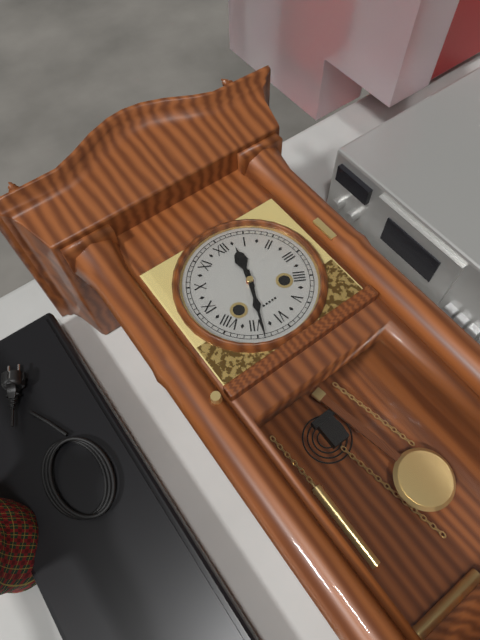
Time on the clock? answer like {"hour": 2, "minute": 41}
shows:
{"hour": 12, "minute": 34}
